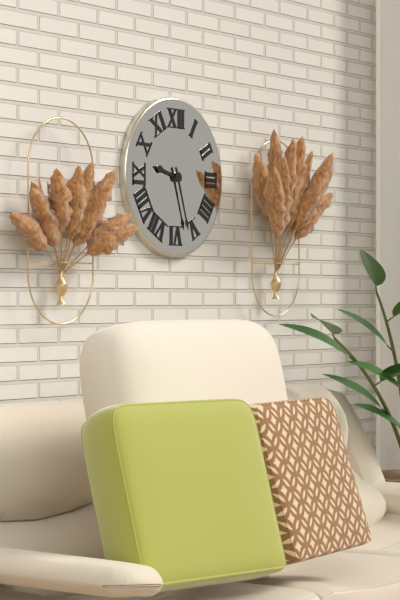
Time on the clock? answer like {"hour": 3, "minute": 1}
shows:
{"hour": 9, "minute": 27}
